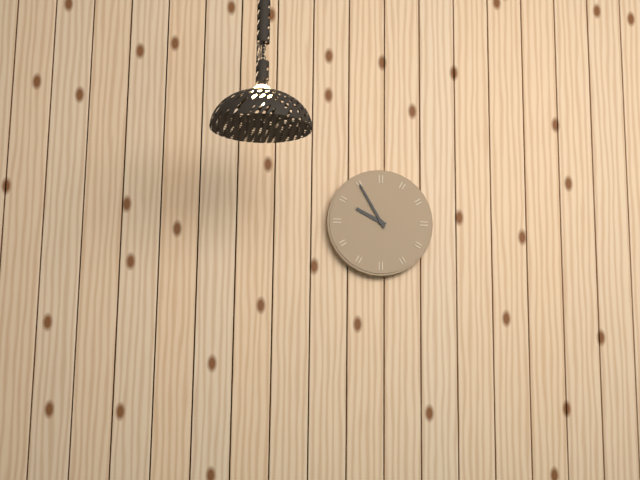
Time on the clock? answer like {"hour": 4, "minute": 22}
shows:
{"hour": 9, "minute": 55}
